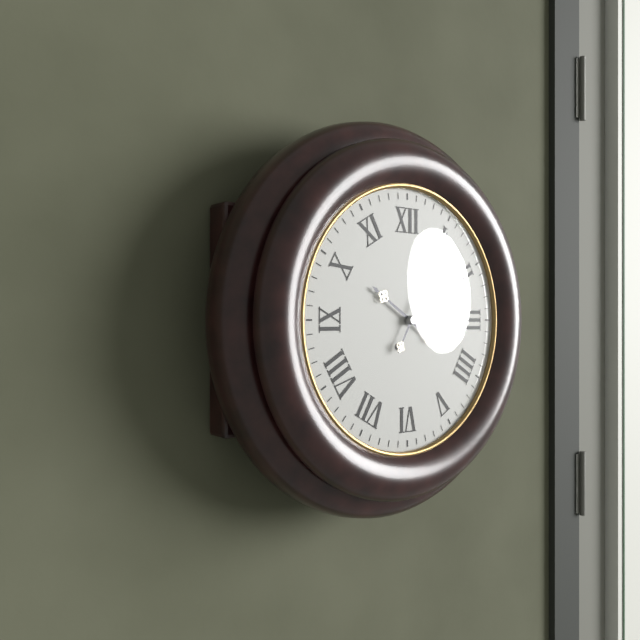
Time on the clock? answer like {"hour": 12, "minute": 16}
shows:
{"hour": 10, "minute": 5}
